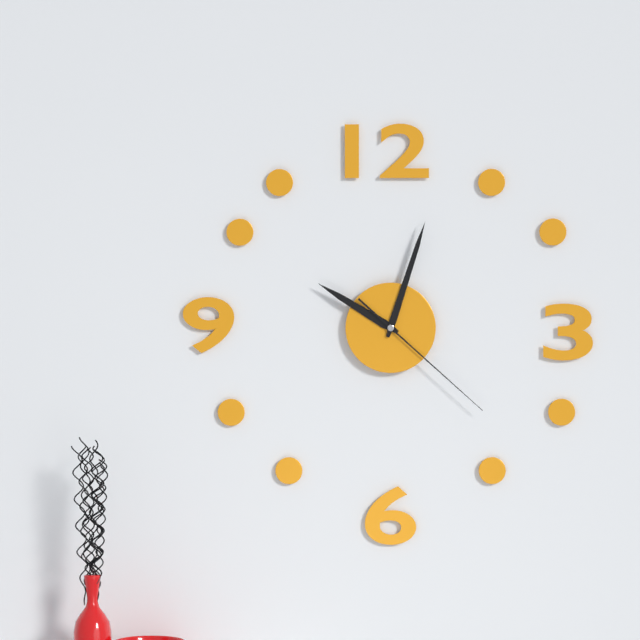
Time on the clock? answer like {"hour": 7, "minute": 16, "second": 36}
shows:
{"hour": 10, "minute": 3, "second": 22}
